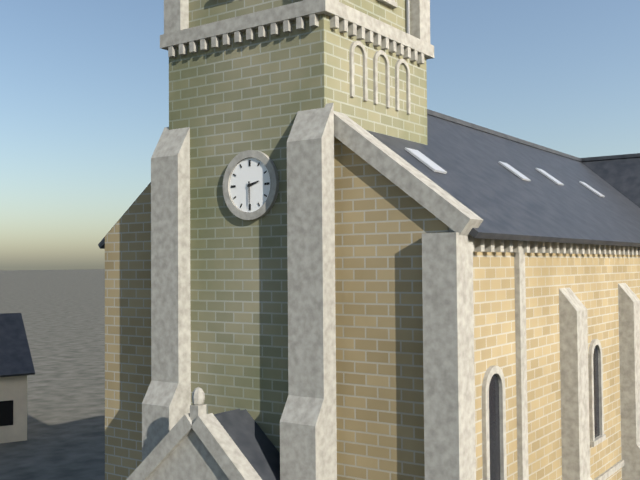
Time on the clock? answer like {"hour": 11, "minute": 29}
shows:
{"hour": 2, "minute": 30}
